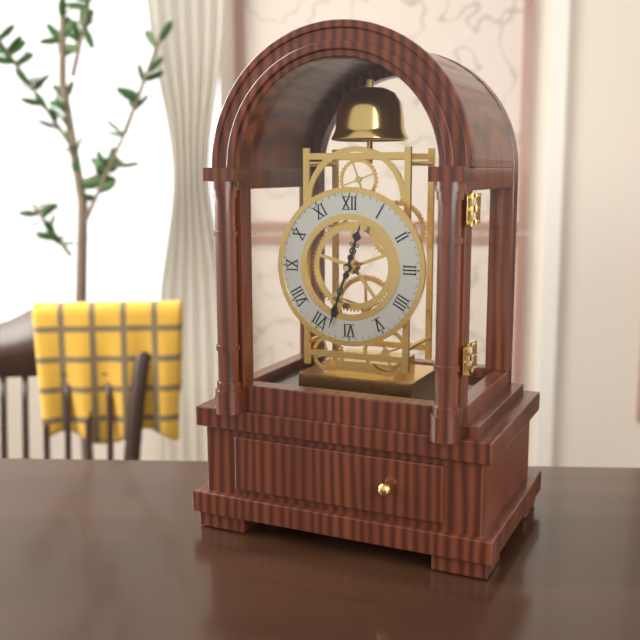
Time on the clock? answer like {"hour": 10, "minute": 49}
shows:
{"hour": 12, "minute": 33}
